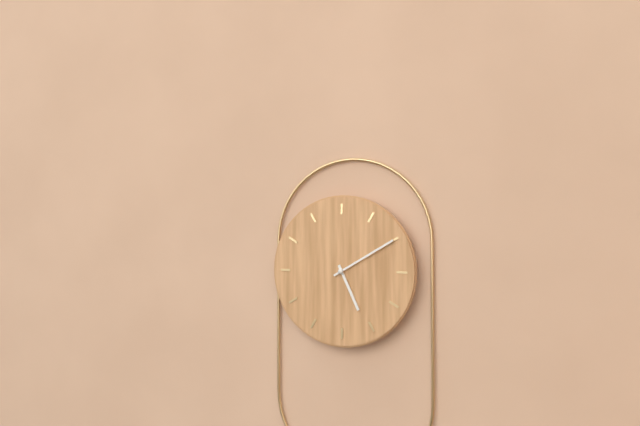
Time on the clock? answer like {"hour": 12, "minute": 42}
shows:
{"hour": 5, "minute": 10}
